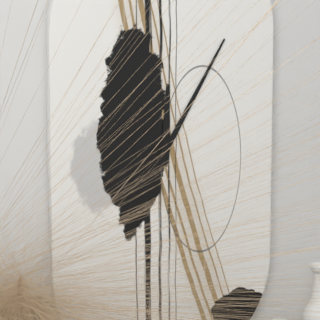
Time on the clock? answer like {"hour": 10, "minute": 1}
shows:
{"hour": 12, "minute": 5}
